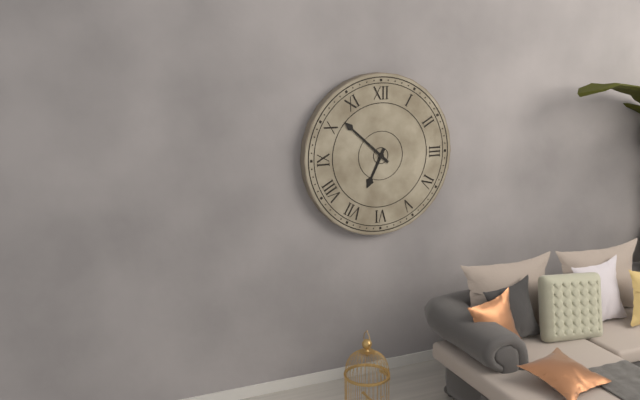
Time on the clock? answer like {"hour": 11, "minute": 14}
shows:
{"hour": 6, "minute": 52}
